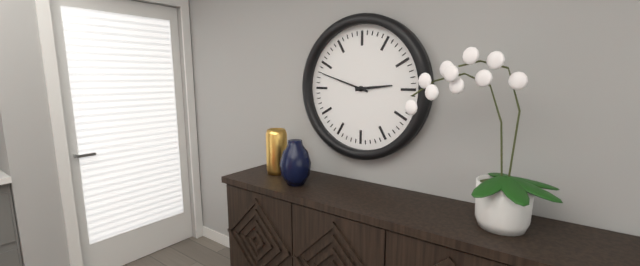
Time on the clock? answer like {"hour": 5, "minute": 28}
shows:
{"hour": 2, "minute": 48}
